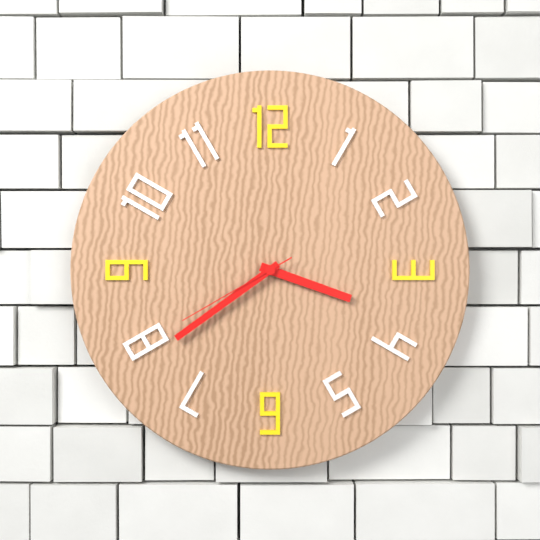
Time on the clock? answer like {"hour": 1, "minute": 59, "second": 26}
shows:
{"hour": 3, "minute": 39, "second": 40}
